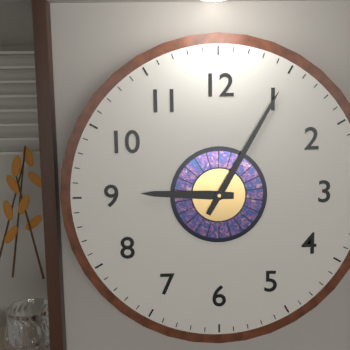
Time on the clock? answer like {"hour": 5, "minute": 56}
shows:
{"hour": 9, "minute": 5}
